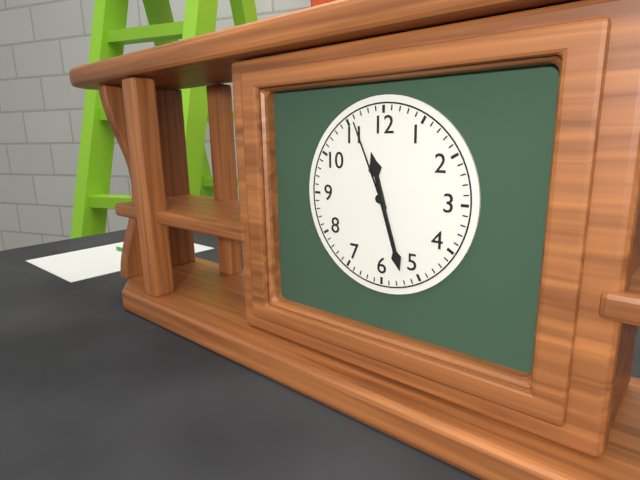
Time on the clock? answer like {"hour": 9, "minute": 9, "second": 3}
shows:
{"hour": 11, "minute": 27, "second": 56}
